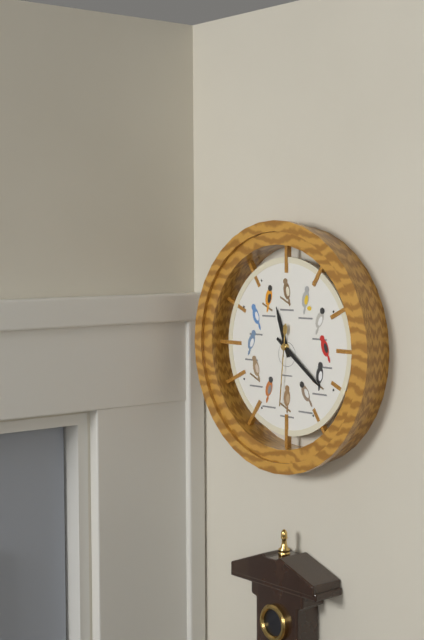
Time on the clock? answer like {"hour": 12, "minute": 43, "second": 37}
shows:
{"hour": 11, "minute": 21, "second": 31}
